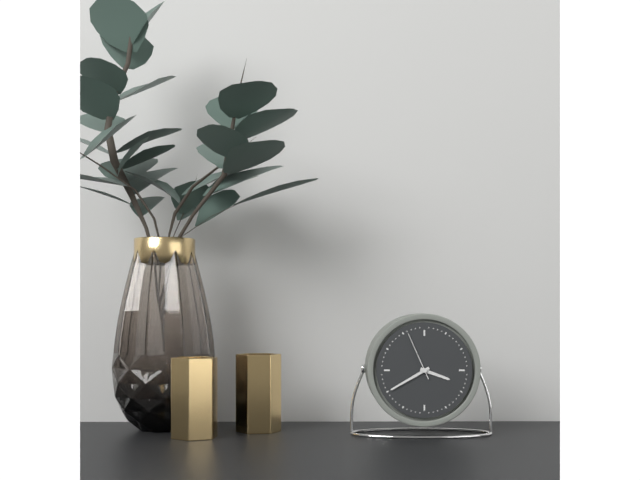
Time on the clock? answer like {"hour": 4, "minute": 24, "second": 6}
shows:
{"hour": 3, "minute": 40, "second": 56}
